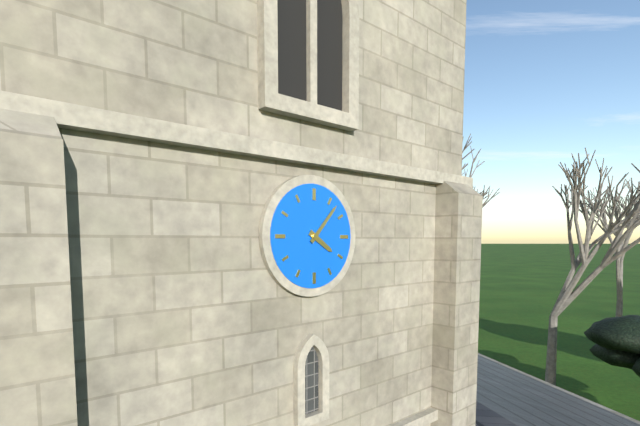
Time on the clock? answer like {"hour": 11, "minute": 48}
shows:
{"hour": 4, "minute": 7}
